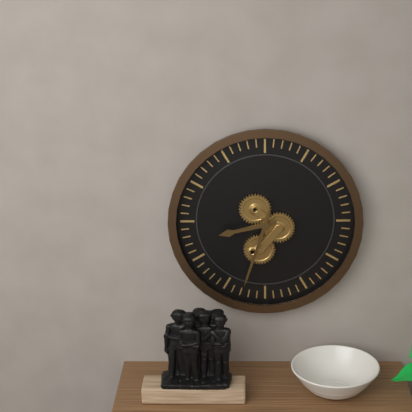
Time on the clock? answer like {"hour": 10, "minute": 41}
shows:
{"hour": 8, "minute": 33}
